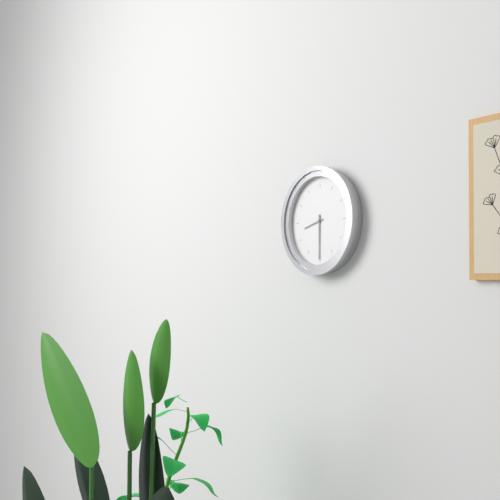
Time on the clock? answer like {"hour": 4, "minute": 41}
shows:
{"hour": 8, "minute": 30}
